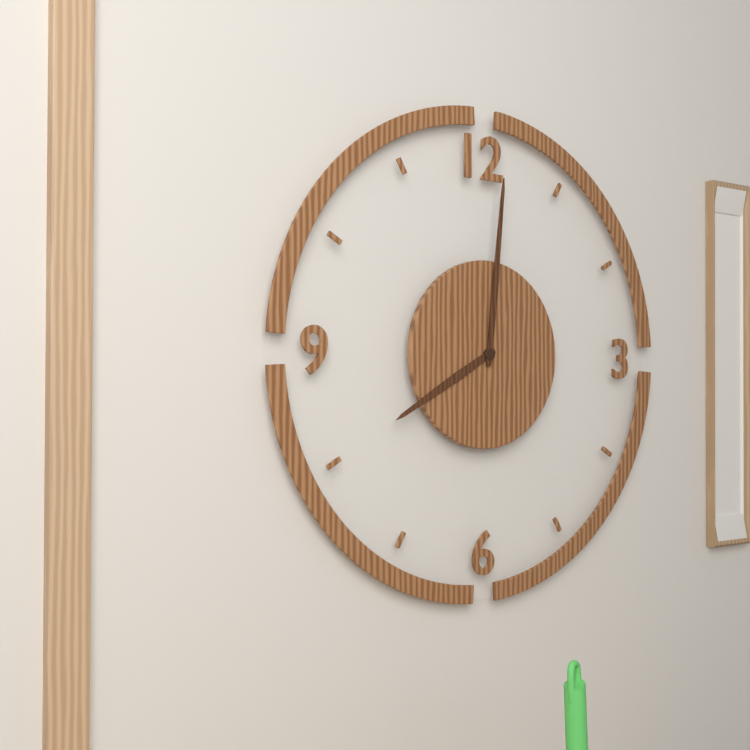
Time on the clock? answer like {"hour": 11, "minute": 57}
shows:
{"hour": 8, "minute": 1}
